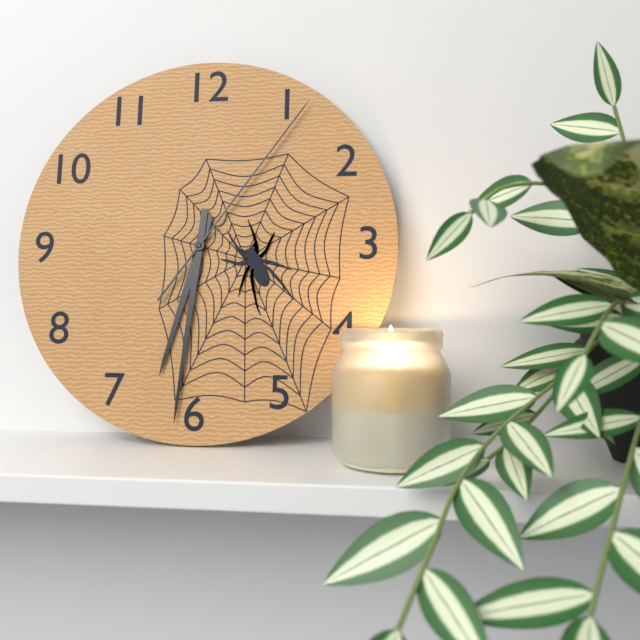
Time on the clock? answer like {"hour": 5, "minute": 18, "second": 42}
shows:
{"hour": 6, "minute": 31, "second": 6}
